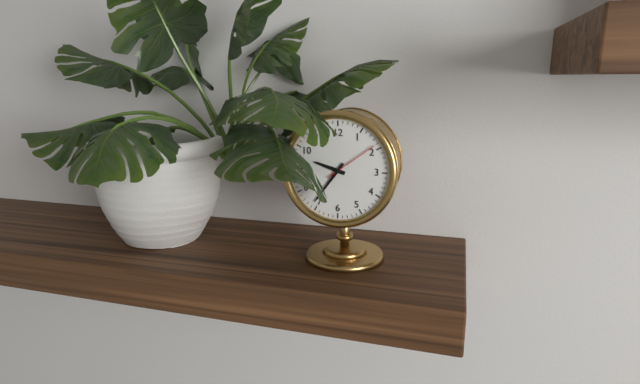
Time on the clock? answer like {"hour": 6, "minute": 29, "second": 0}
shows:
{"hour": 9, "minute": 36, "second": 9}
